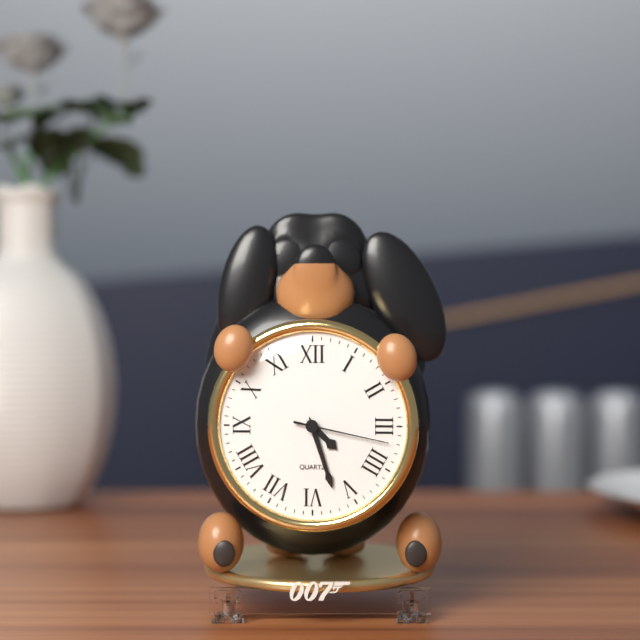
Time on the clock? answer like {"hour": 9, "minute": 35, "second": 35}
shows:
{"hour": 4, "minute": 27, "second": 17}
